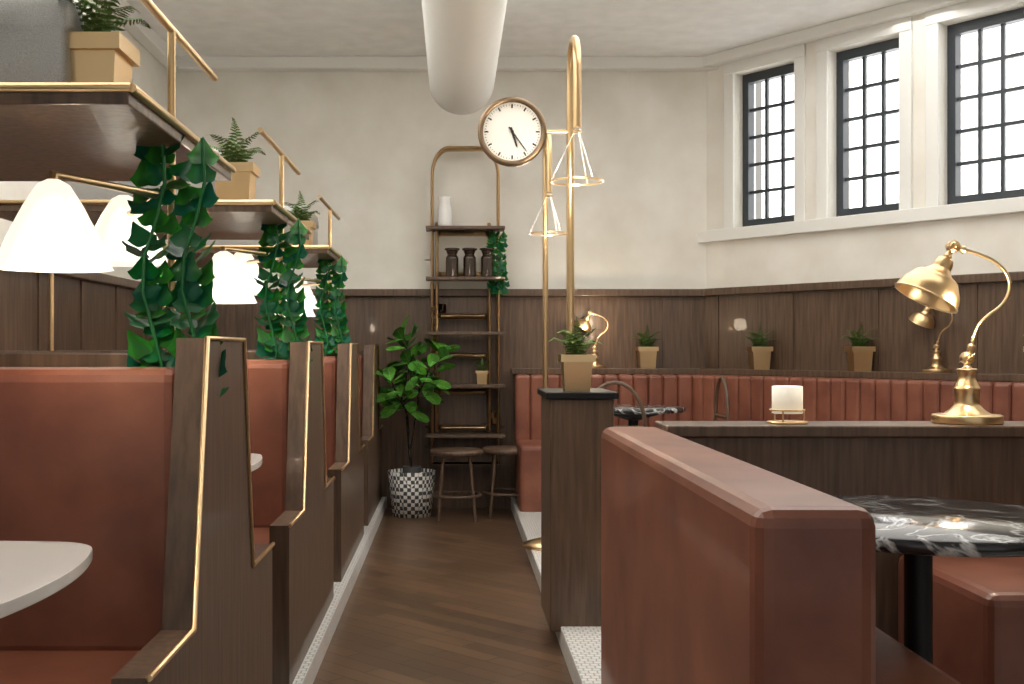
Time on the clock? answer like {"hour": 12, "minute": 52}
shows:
{"hour": 5, "minute": 24}
